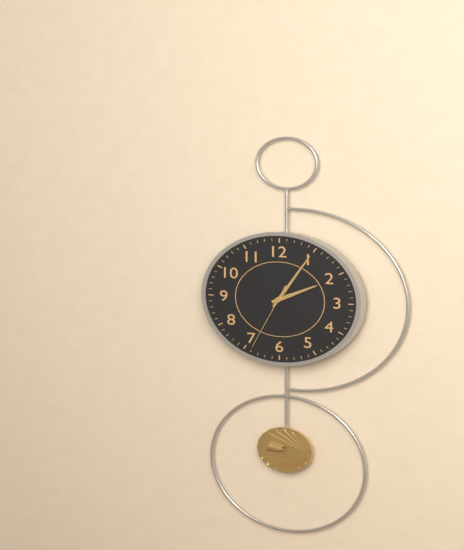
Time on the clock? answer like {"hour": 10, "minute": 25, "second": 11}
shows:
{"hour": 2, "minute": 5, "second": 34}
